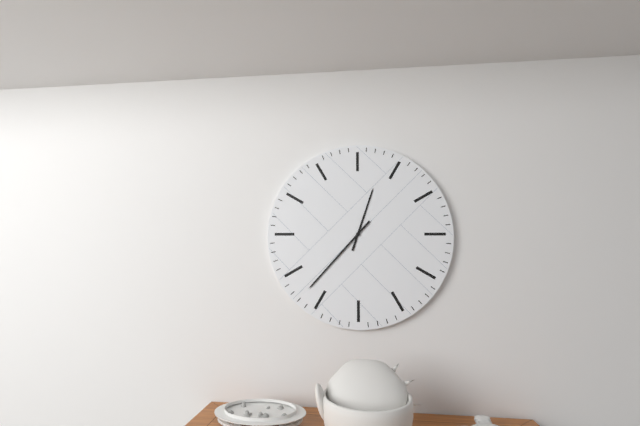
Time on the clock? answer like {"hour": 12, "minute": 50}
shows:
{"hour": 12, "minute": 37}
